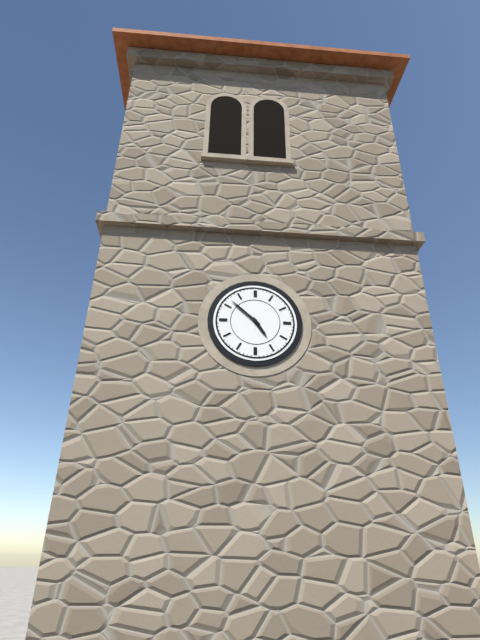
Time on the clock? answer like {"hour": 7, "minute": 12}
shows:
{"hour": 4, "minute": 52}
